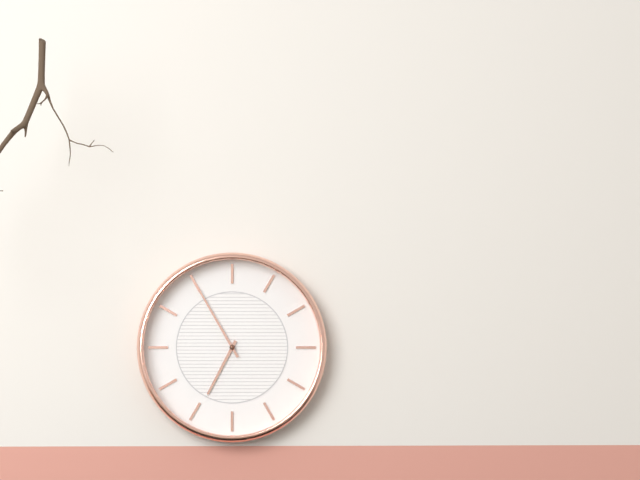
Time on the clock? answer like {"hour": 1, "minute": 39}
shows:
{"hour": 6, "minute": 55}
